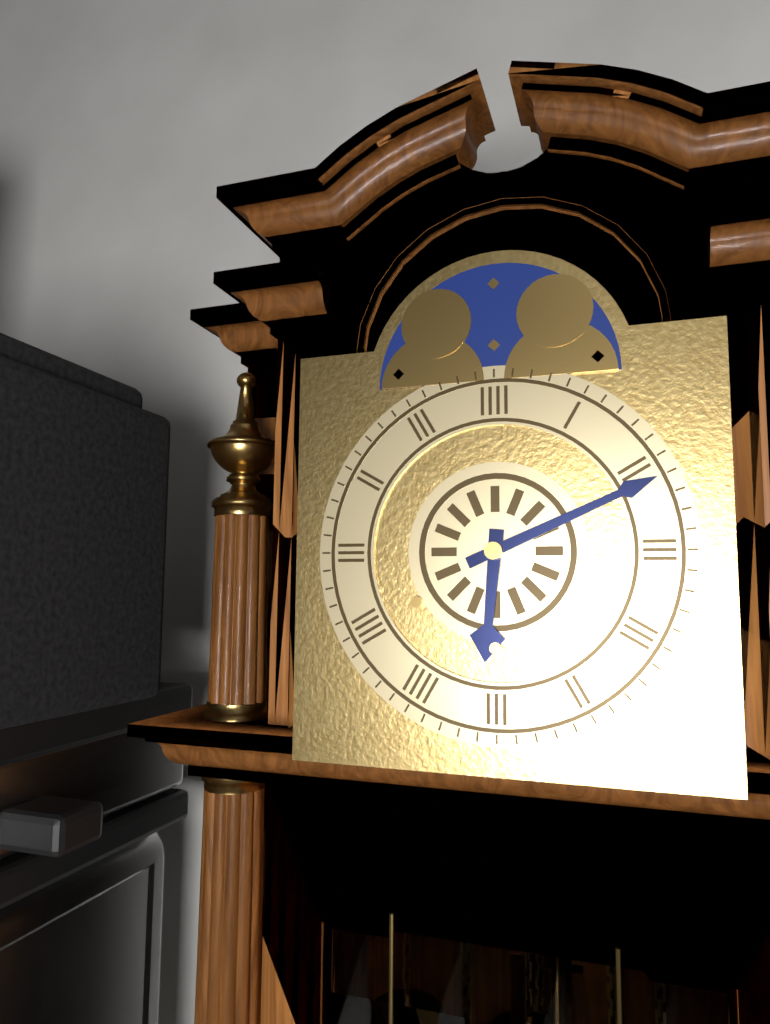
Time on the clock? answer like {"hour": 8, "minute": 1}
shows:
{"hour": 6, "minute": 11}
